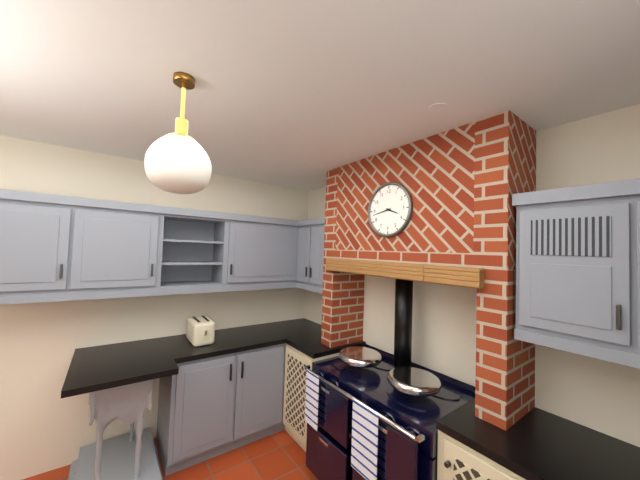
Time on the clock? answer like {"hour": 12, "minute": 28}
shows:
{"hour": 3, "minute": 43}
